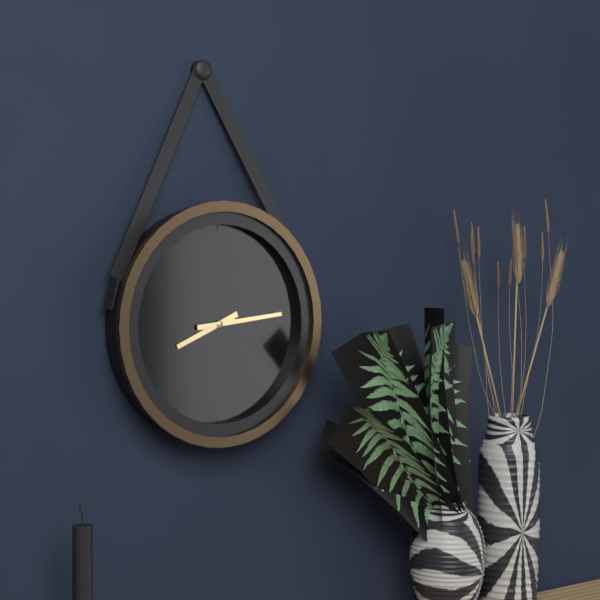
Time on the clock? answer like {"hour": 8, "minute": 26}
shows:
{"hour": 8, "minute": 14}
